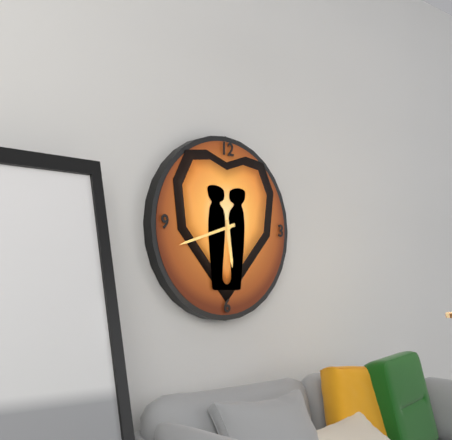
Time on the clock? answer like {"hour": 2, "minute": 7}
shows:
{"hour": 5, "minute": 42}
